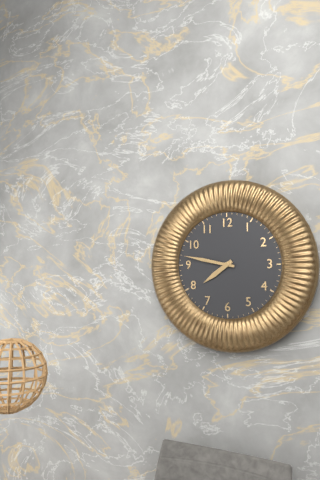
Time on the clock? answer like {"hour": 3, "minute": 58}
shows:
{"hour": 7, "minute": 47}
